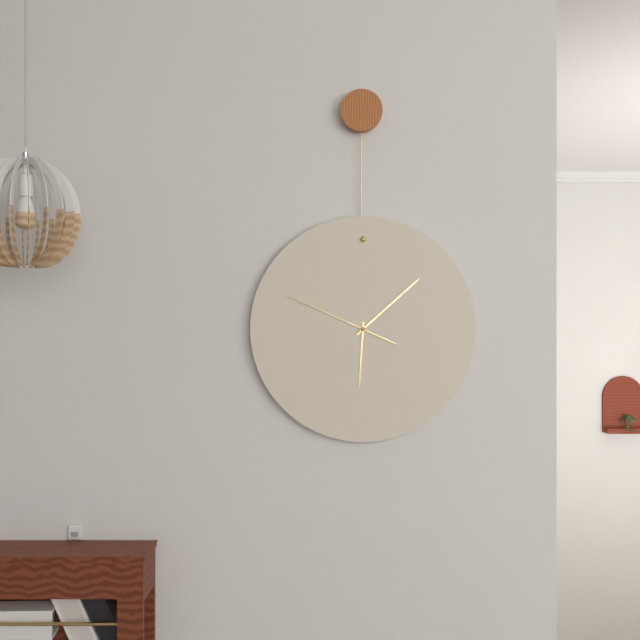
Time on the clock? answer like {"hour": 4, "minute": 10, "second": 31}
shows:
{"hour": 6, "minute": 8, "second": 49}
